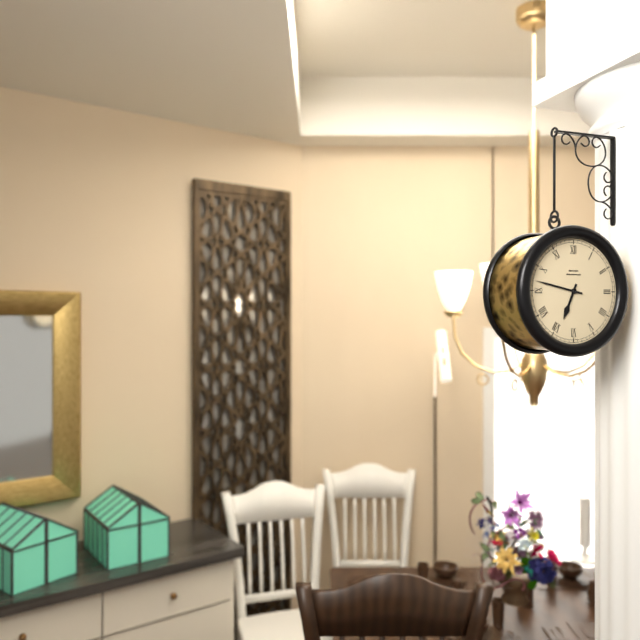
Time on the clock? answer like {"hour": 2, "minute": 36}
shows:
{"hour": 6, "minute": 47}
